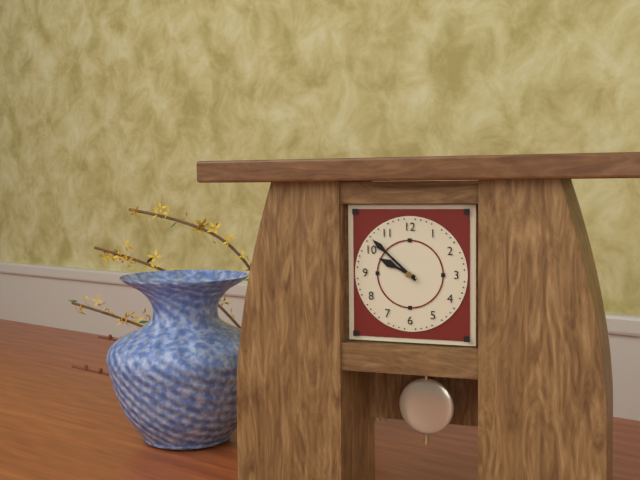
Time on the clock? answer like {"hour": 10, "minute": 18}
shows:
{"hour": 9, "minute": 52}
